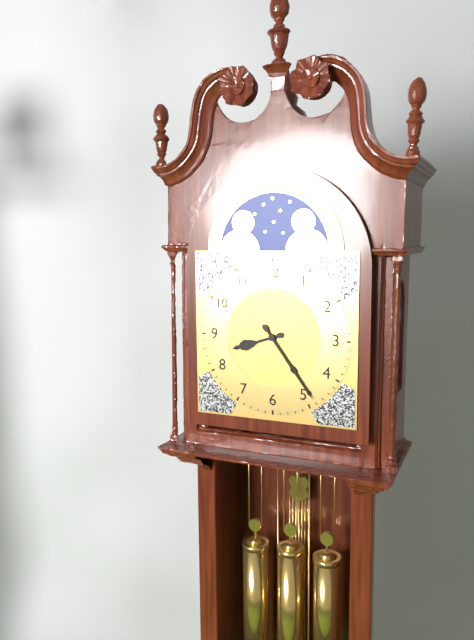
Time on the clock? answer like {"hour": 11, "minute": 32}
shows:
{"hour": 8, "minute": 24}
